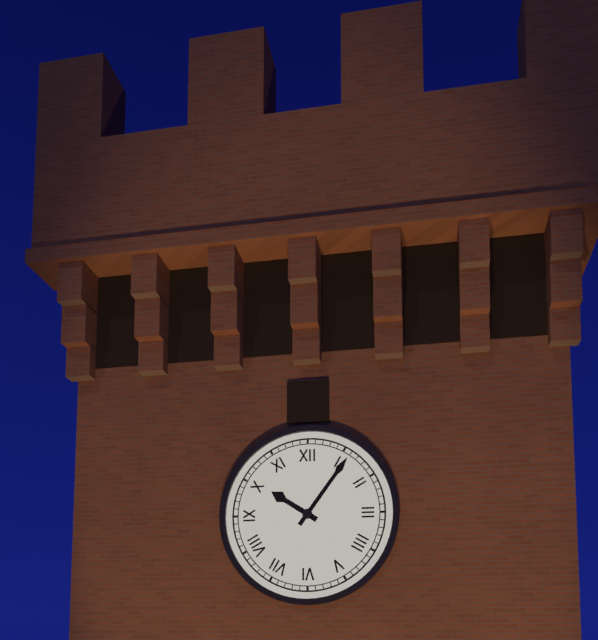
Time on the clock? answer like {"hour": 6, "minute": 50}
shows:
{"hour": 10, "minute": 6}
